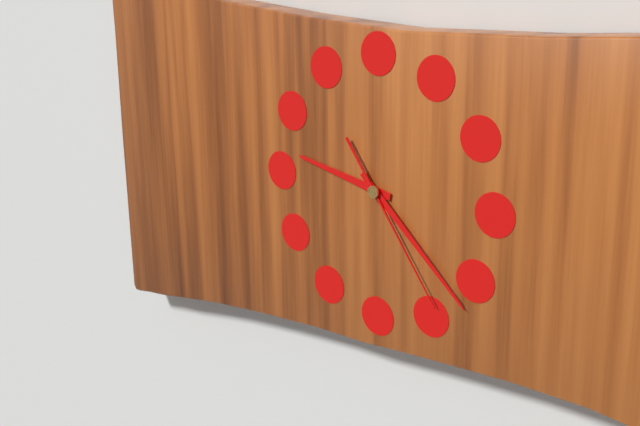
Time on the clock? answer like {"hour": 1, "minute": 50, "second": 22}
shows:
{"hour": 9, "minute": 22, "second": 24}
